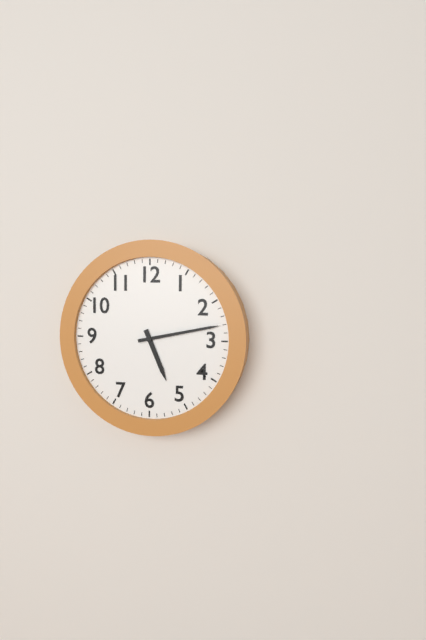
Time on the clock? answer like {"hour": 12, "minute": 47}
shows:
{"hour": 5, "minute": 13}
